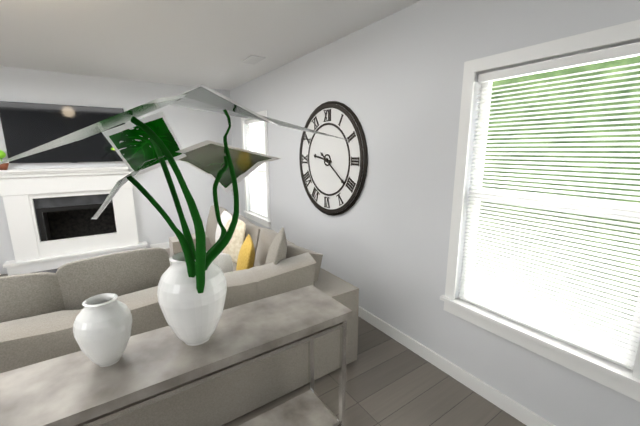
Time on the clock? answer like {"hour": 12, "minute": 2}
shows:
{"hour": 9, "minute": 21}
